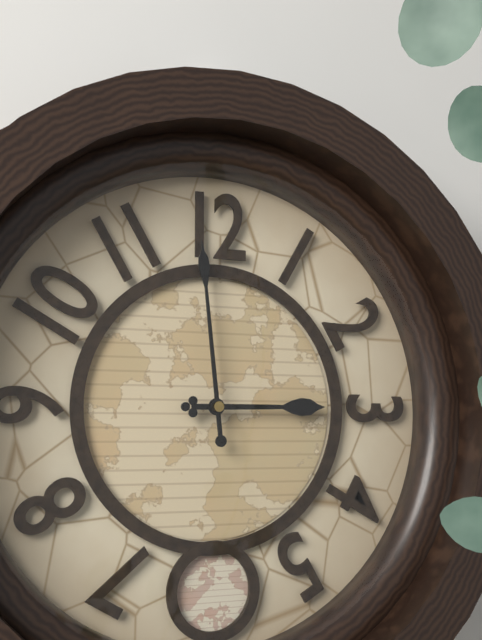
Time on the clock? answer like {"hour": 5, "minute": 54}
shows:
{"hour": 2, "minute": 59}
